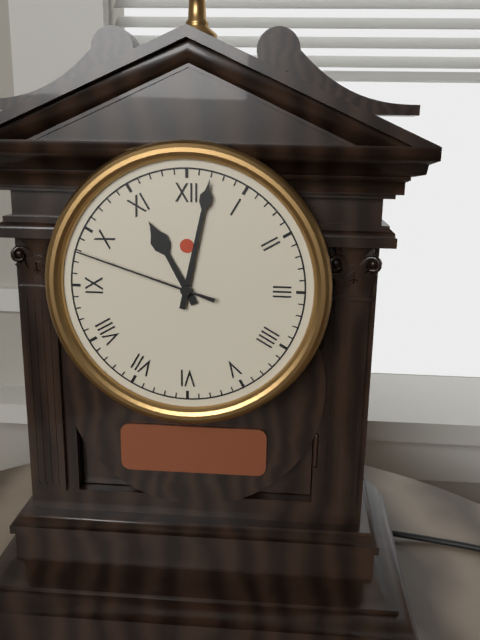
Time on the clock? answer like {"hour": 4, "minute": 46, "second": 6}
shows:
{"hour": 11, "minute": 2, "second": 48}
